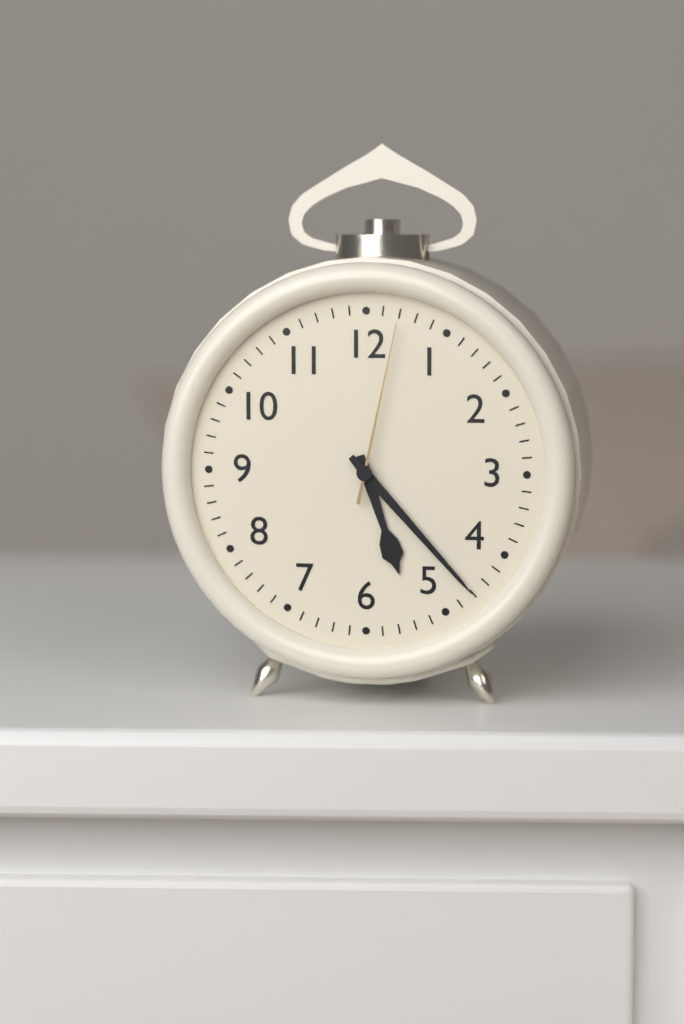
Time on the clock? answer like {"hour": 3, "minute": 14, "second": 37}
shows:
{"hour": 5, "minute": 23, "second": 2}
